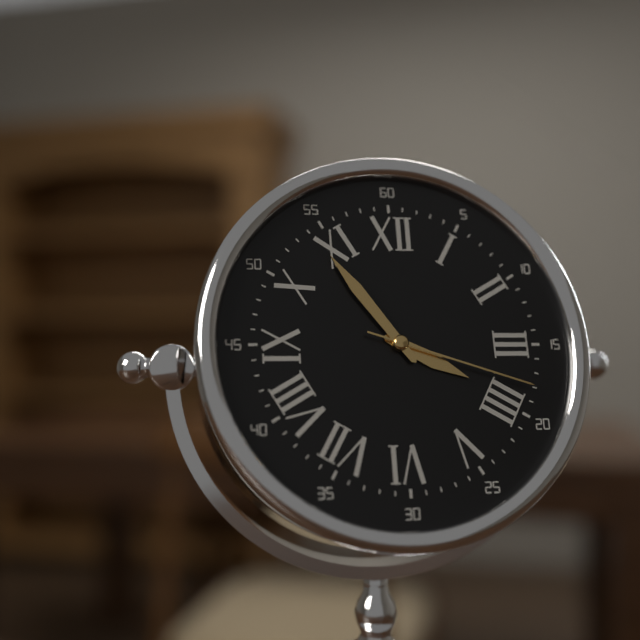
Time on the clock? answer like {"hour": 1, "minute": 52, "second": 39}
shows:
{"hour": 3, "minute": 54, "second": 18}
